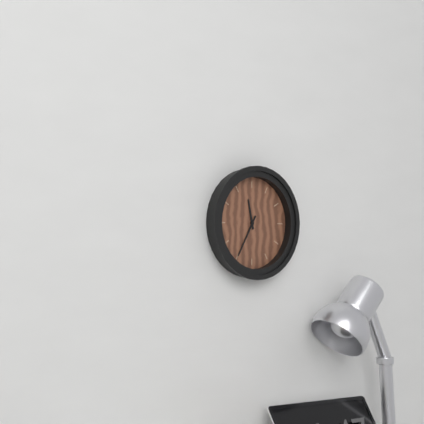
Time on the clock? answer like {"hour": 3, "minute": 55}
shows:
{"hour": 11, "minute": 35}
